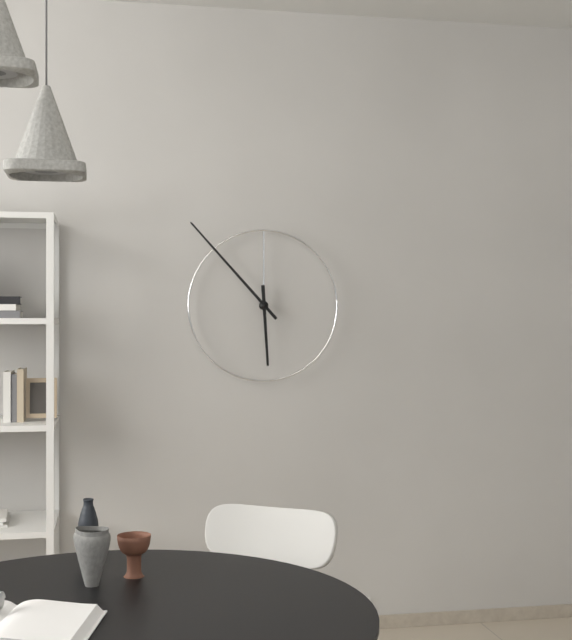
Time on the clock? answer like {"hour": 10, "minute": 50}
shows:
{"hour": 5, "minute": 53}
